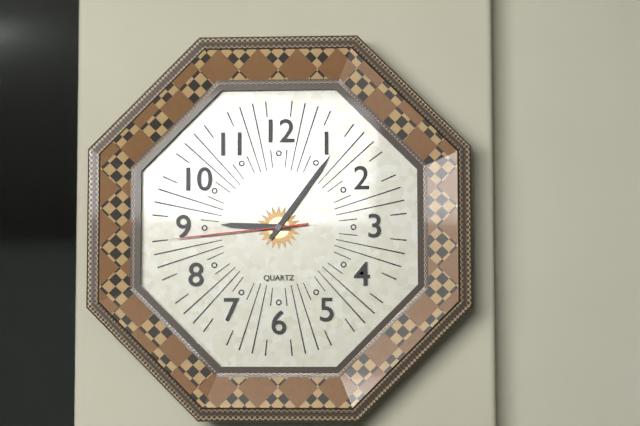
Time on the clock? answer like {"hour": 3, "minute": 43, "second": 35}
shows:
{"hour": 9, "minute": 6, "second": 44}
